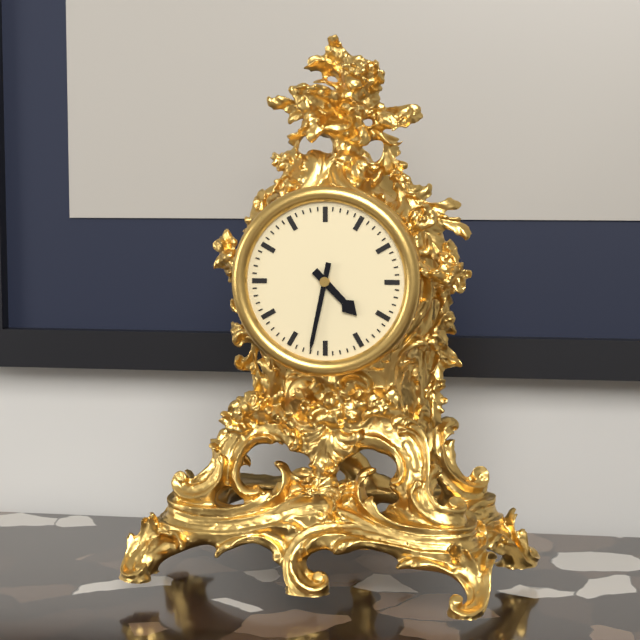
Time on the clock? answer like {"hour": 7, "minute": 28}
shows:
{"hour": 4, "minute": 32}
